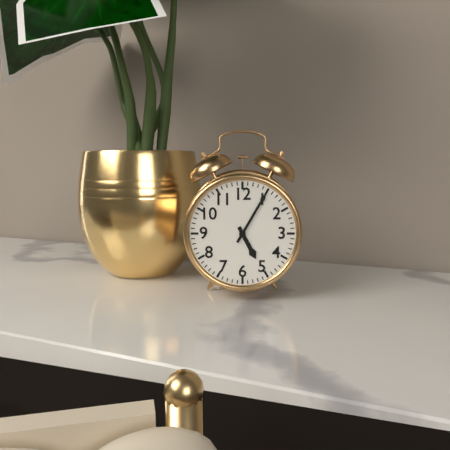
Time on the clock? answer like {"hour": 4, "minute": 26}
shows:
{"hour": 5, "minute": 5}
